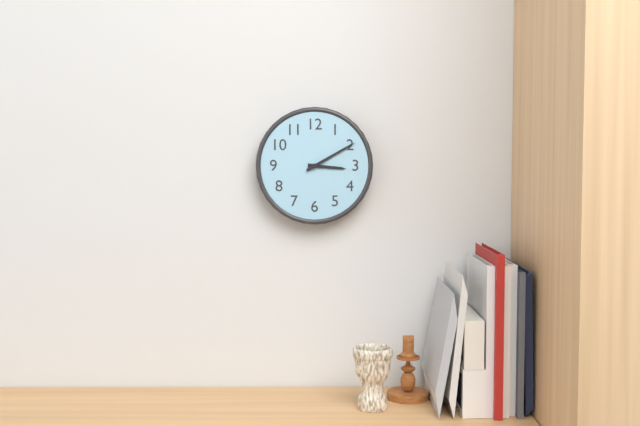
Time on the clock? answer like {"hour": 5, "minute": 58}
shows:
{"hour": 3, "minute": 10}
